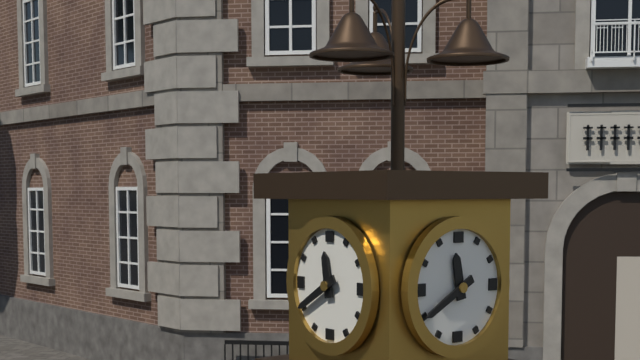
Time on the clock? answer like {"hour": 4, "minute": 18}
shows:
{"hour": 11, "minute": 40}
